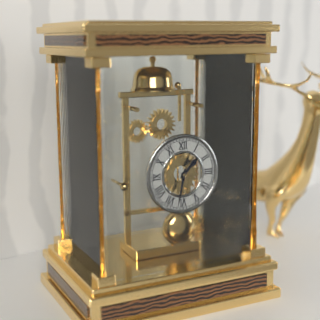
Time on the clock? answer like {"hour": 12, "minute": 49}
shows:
{"hour": 1, "minute": 32}
